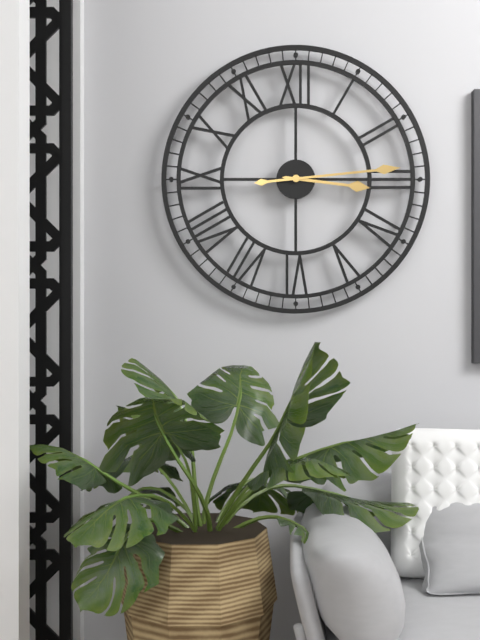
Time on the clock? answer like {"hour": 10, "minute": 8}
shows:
{"hour": 3, "minute": 14}
